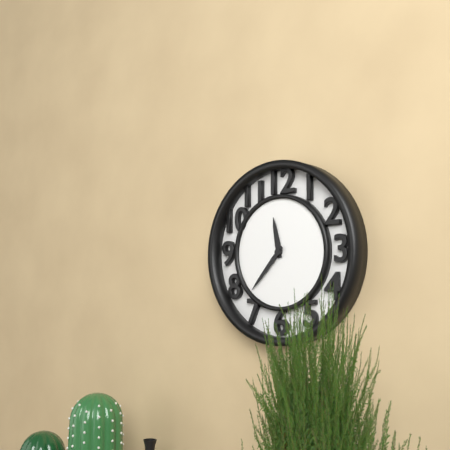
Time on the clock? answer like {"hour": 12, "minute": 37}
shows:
{"hour": 11, "minute": 37}
